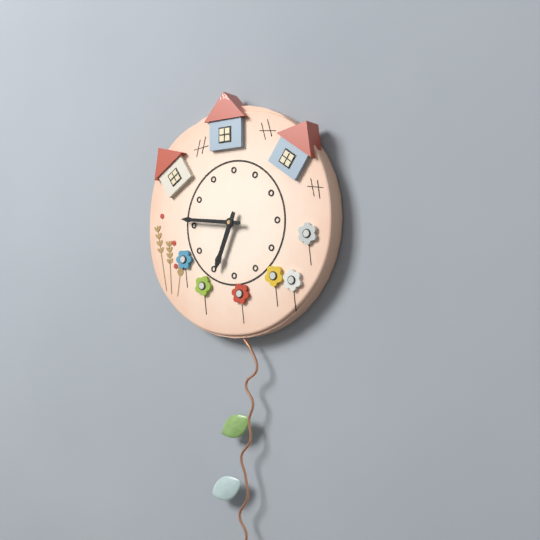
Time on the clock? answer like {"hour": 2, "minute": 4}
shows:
{"hour": 6, "minute": 46}
